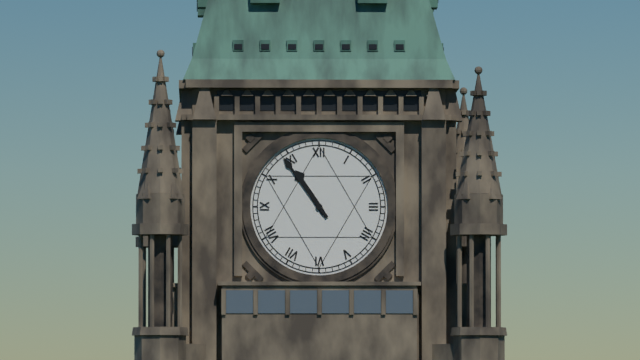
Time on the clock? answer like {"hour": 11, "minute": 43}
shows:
{"hour": 10, "minute": 54}
